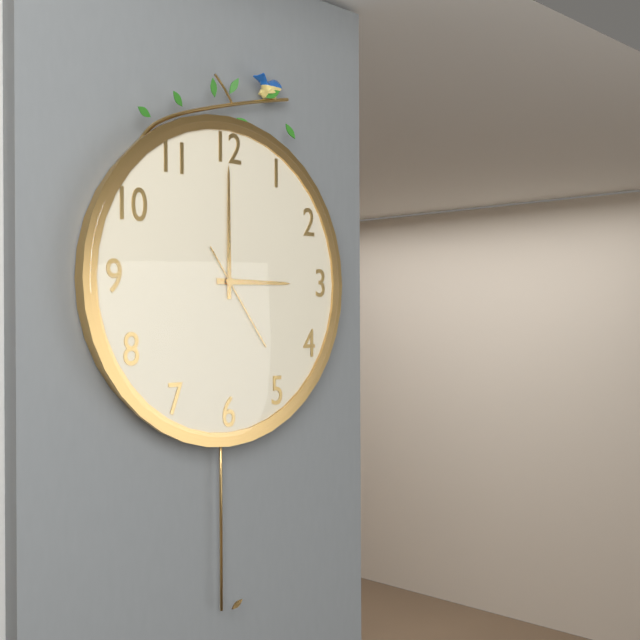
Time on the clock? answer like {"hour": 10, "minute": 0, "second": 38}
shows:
{"hour": 3, "minute": 0, "second": 24}
